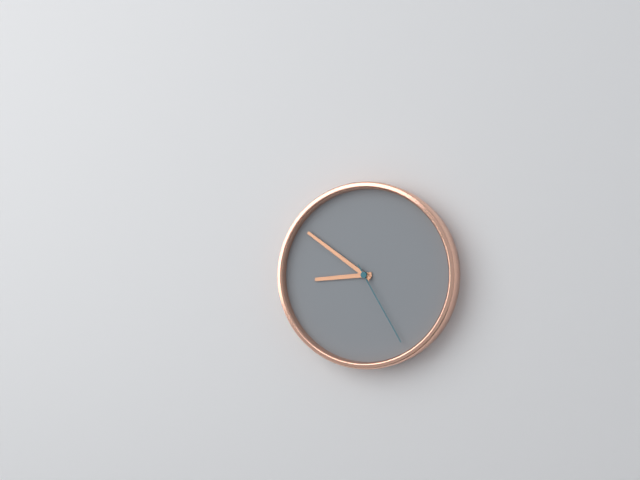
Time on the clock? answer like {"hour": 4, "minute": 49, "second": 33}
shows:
{"hour": 8, "minute": 51, "second": 25}
